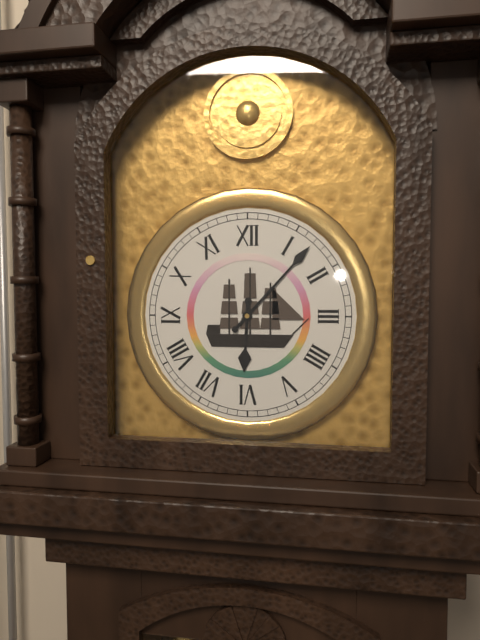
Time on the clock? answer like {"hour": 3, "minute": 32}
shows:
{"hour": 6, "minute": 7}
